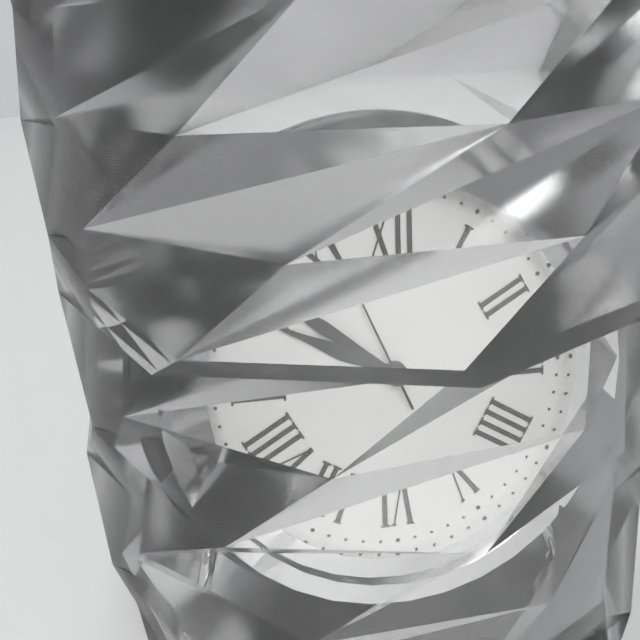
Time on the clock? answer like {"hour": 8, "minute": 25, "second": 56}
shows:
{"hour": 9, "minute": 51, "second": 56}
